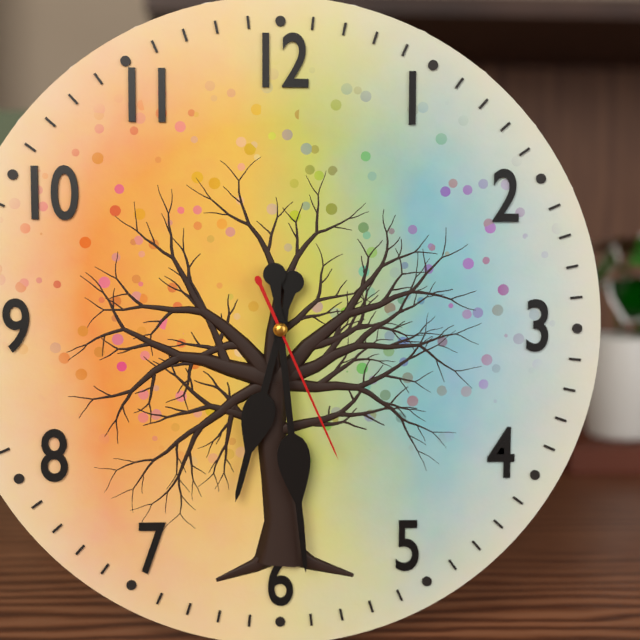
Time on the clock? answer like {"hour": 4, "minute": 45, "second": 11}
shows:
{"hour": 6, "minute": 29, "second": 26}
